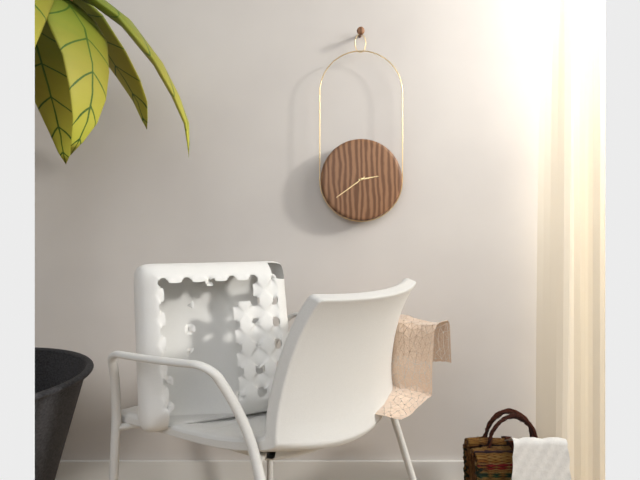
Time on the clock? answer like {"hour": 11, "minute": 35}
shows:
{"hour": 2, "minute": 39}
